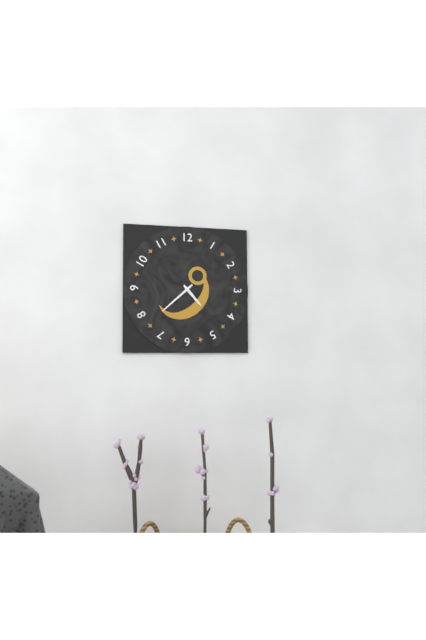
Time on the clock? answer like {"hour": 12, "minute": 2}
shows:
{"hour": 4, "minute": 38}
